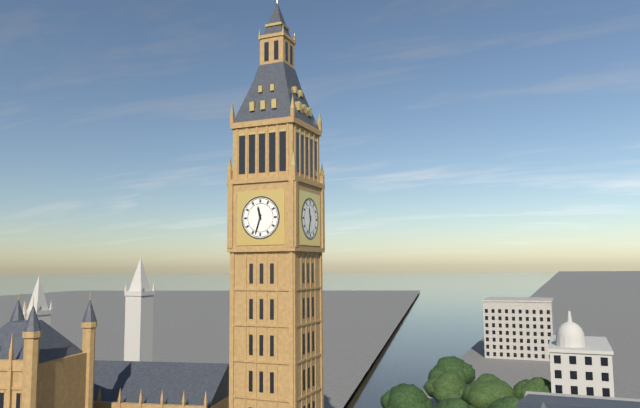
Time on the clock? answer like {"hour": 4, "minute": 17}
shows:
{"hour": 11, "minute": 33}
